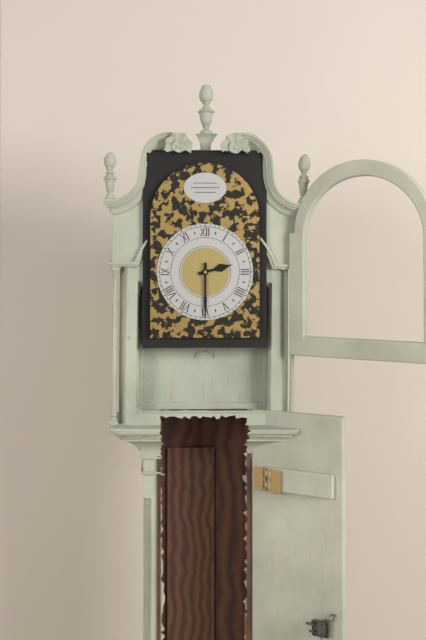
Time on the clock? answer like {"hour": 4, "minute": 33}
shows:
{"hour": 2, "minute": 30}
